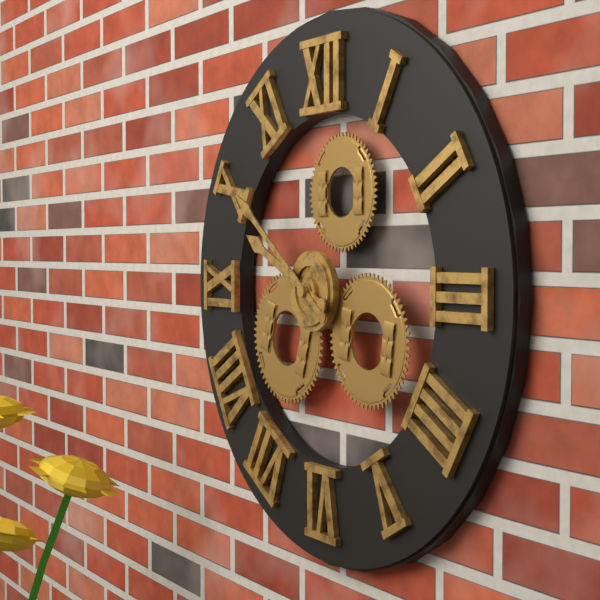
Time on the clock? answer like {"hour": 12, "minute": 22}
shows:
{"hour": 9, "minute": 51}
